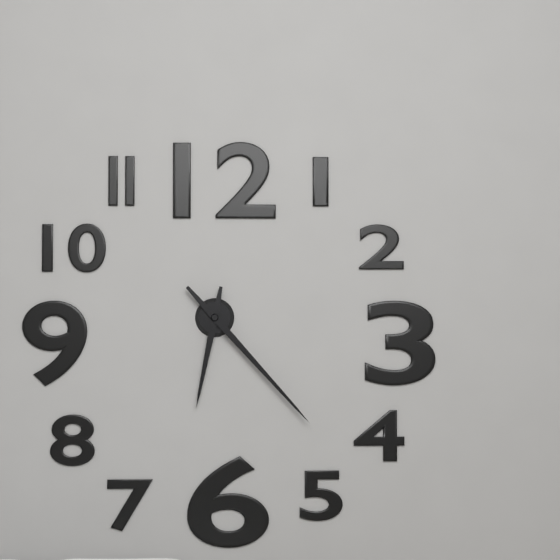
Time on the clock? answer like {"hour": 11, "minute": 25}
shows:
{"hour": 6, "minute": 23}
